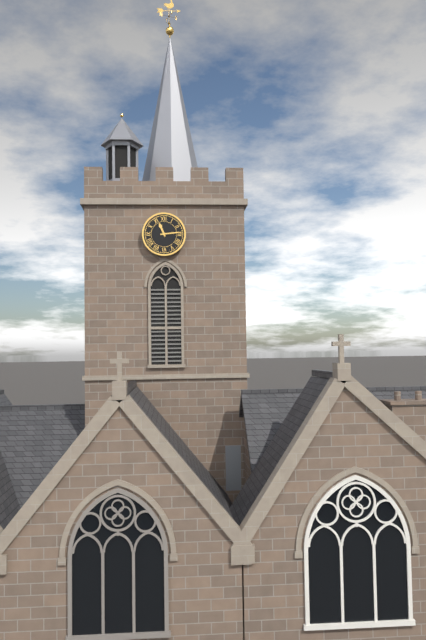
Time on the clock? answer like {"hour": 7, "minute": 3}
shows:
{"hour": 11, "minute": 14}
